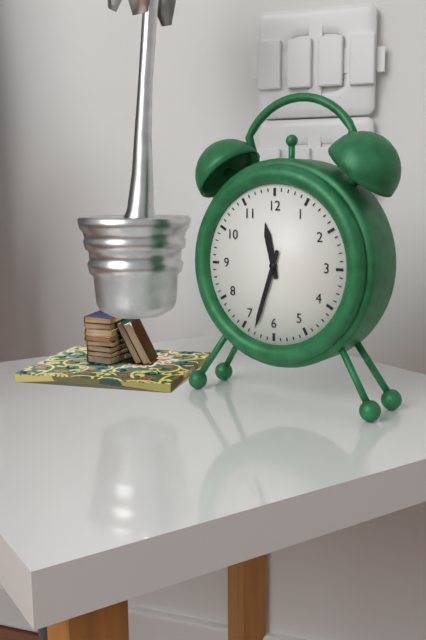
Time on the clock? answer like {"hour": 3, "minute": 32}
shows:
{"hour": 11, "minute": 33}
